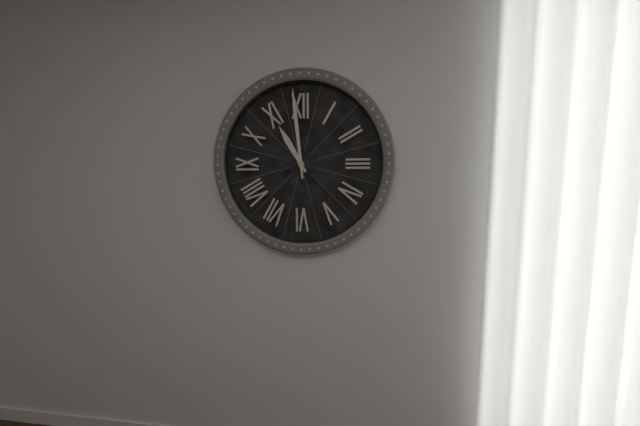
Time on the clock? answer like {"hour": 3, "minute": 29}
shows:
{"hour": 10, "minute": 59}
